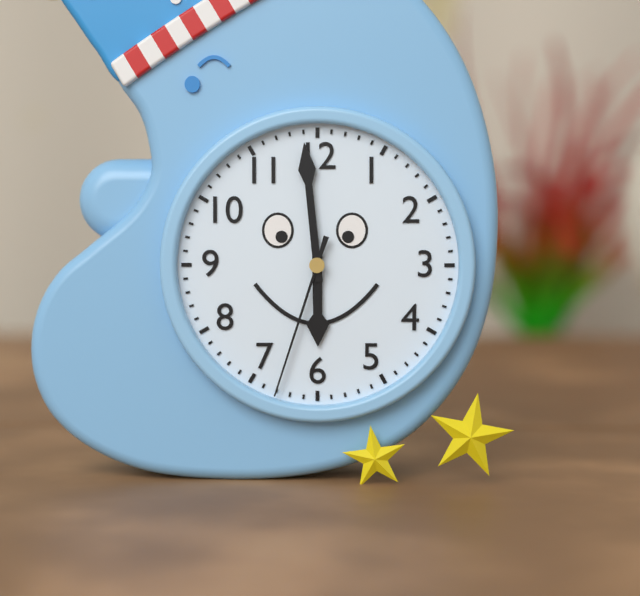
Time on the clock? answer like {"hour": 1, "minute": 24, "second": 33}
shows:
{"hour": 5, "minute": 59, "second": 33}
